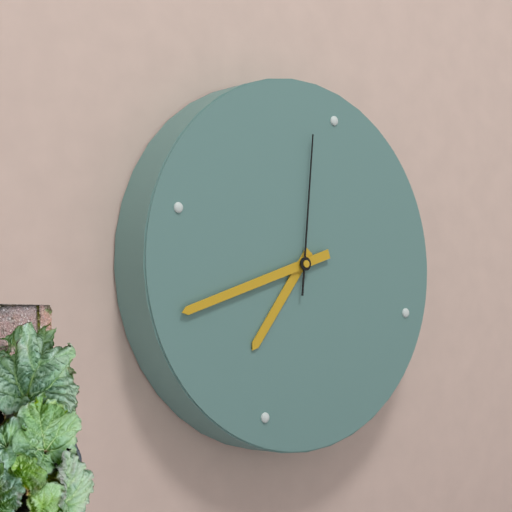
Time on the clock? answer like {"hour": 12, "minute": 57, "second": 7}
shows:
{"hour": 6, "minute": 39, "second": 58}
